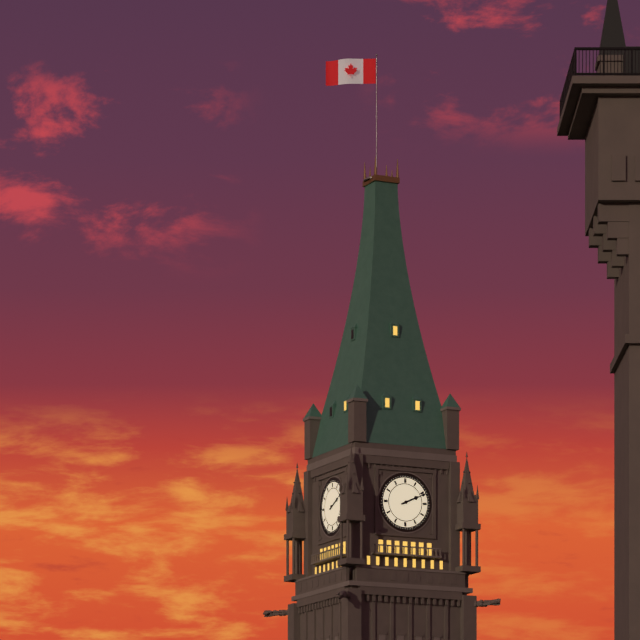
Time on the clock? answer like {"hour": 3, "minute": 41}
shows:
{"hour": 2, "minute": 11}
